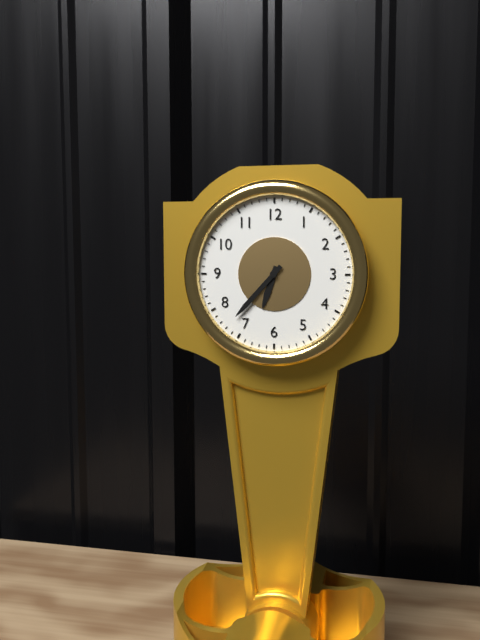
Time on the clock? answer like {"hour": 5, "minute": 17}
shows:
{"hour": 6, "minute": 37}
